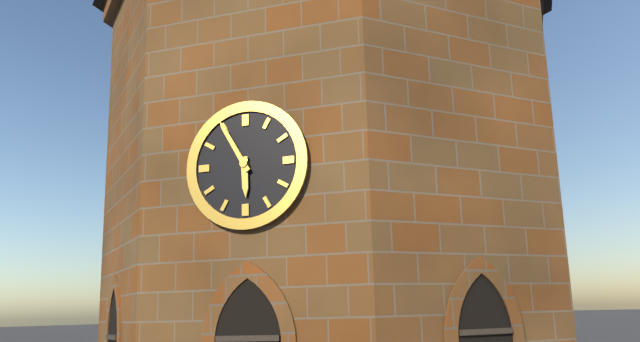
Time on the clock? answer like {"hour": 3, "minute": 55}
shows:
{"hour": 5, "minute": 55}
